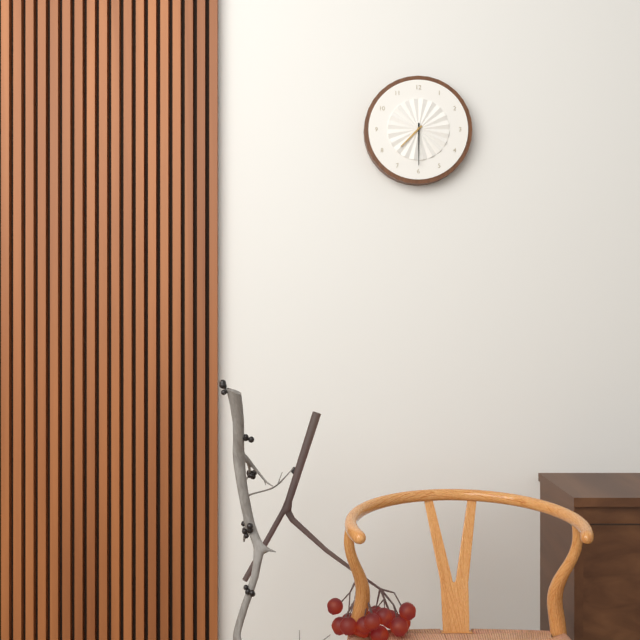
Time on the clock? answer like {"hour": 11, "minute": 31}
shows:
{"hour": 7, "minute": 30}
